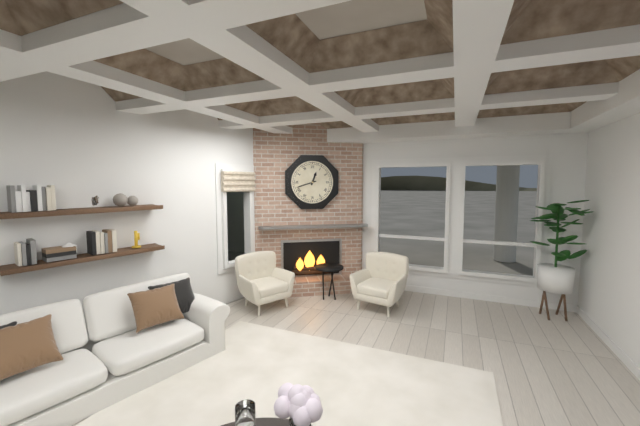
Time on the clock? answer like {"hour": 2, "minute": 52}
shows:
{"hour": 12, "minute": 42}
